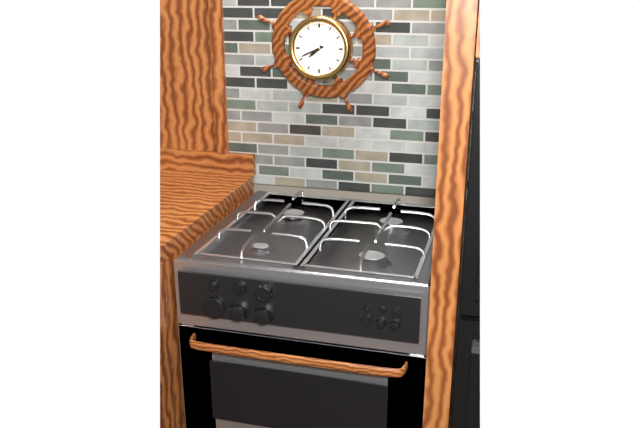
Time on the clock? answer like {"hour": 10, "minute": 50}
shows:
{"hour": 7, "minute": 41}
